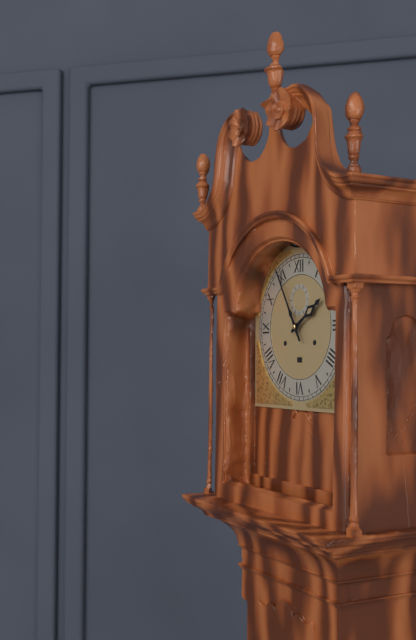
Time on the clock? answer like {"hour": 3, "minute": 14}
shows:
{"hour": 1, "minute": 55}
